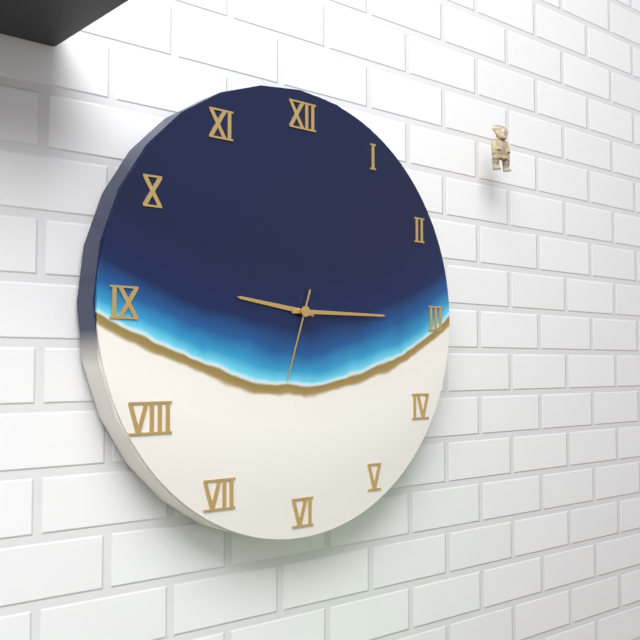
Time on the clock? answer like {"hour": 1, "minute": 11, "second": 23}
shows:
{"hour": 9, "minute": 15, "second": 33}
